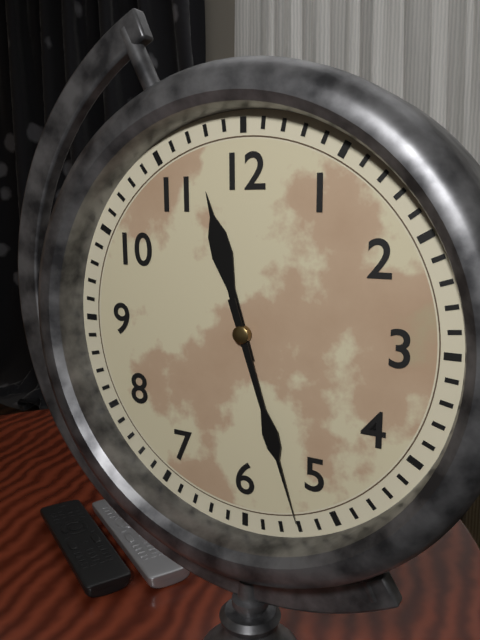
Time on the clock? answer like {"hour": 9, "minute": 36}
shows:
{"hour": 11, "minute": 27}
